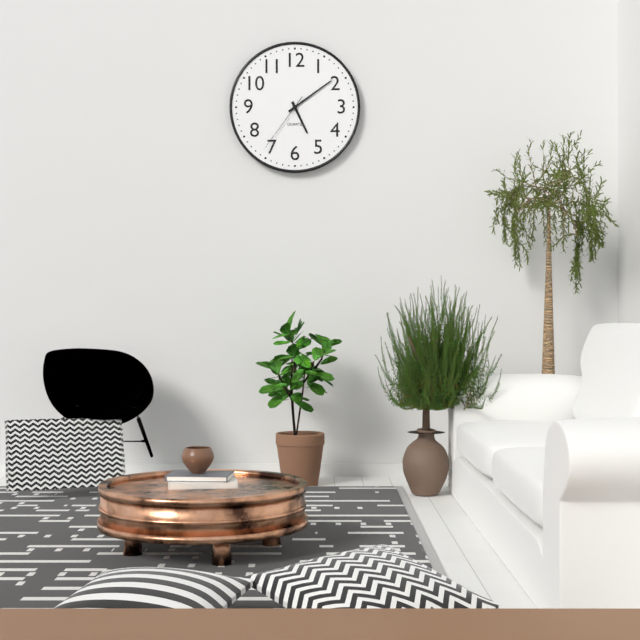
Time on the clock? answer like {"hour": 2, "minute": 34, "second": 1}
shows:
{"hour": 5, "minute": 9, "second": 36}
